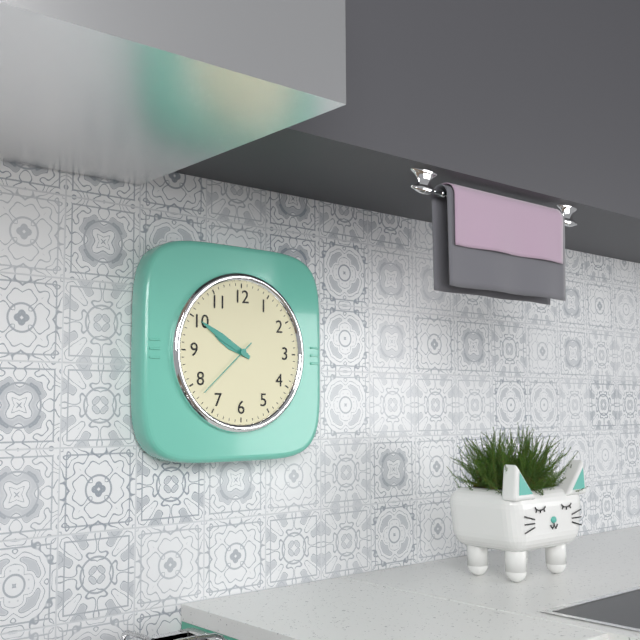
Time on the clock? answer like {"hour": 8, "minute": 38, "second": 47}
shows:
{"hour": 9, "minute": 50, "second": 38}
